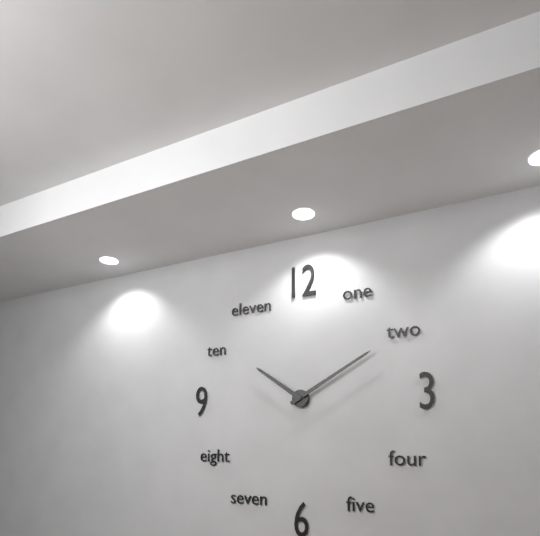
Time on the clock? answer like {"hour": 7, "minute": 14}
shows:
{"hour": 10, "minute": 10}
